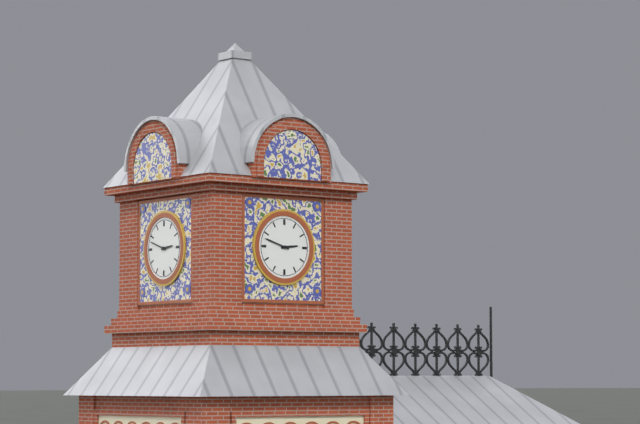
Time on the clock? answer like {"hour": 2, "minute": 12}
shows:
{"hour": 2, "minute": 48}
